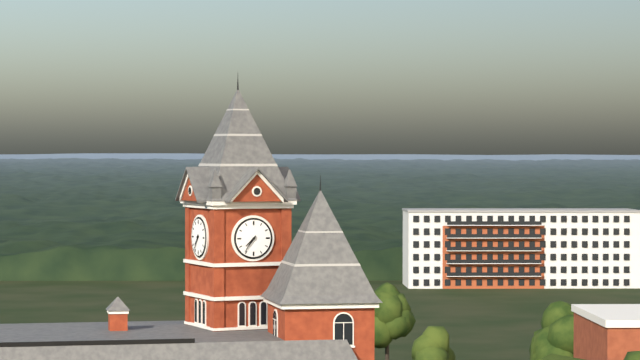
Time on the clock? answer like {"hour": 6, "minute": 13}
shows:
{"hour": 7, "minute": 36}
